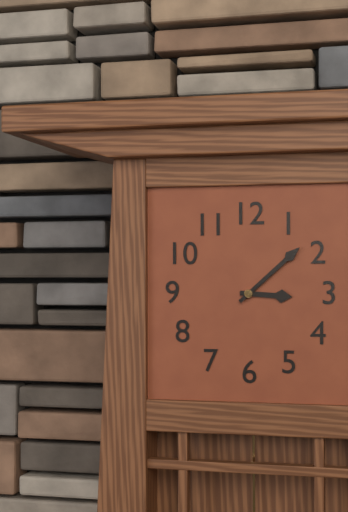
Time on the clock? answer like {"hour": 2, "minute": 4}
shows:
{"hour": 3, "minute": 8}
